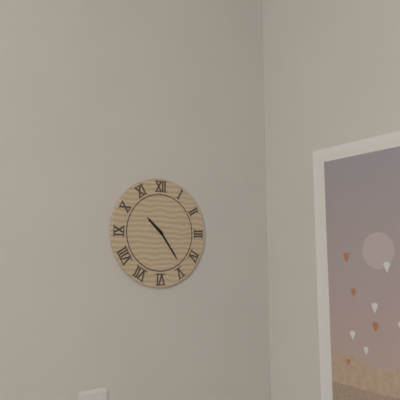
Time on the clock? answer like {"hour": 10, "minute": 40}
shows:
{"hour": 10, "minute": 24}
